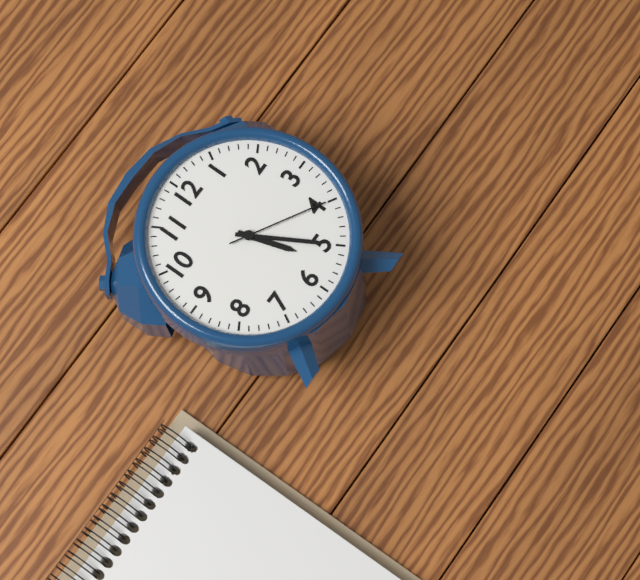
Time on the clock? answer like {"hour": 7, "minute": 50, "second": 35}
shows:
{"hour": 5, "minute": 25, "second": 20}
